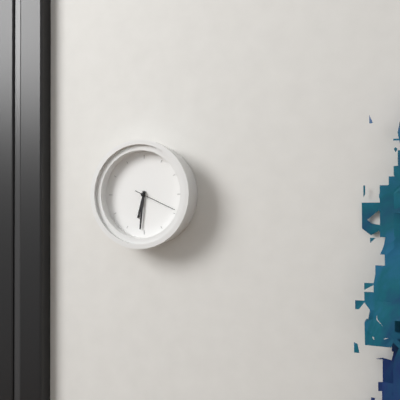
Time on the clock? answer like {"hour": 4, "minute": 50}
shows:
{"hour": 6, "minute": 31}
